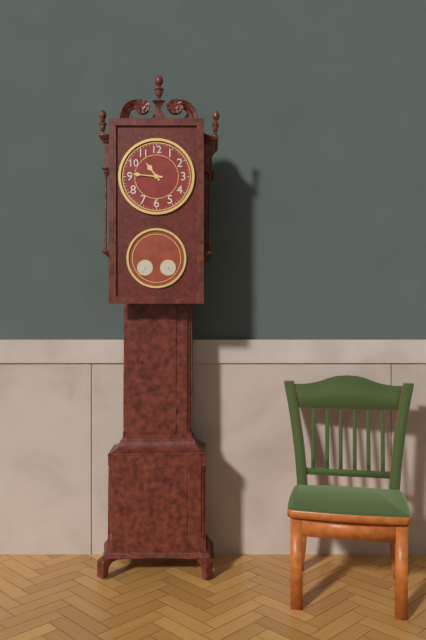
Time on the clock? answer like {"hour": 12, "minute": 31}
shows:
{"hour": 10, "minute": 46}
